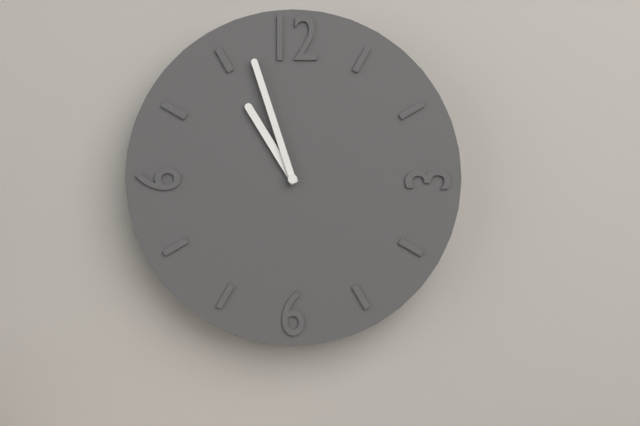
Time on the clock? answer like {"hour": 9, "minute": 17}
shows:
{"hour": 10, "minute": 57}
